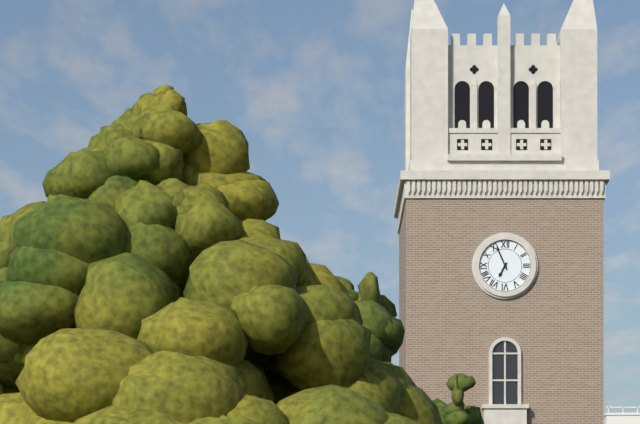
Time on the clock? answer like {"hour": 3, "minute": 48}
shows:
{"hour": 6, "minute": 56}
